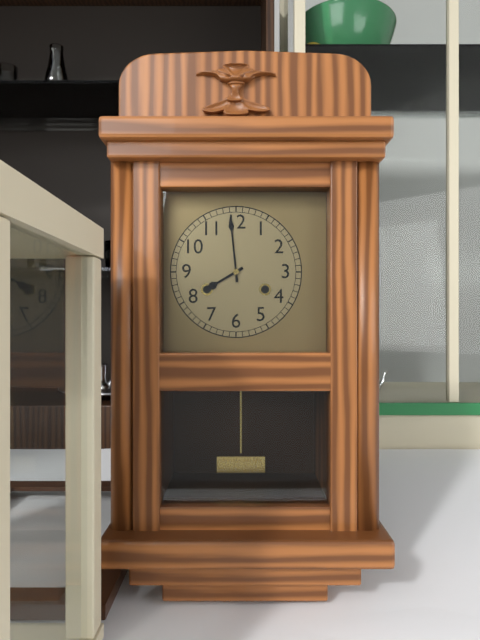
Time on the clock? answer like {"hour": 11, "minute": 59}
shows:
{"hour": 7, "minute": 59}
